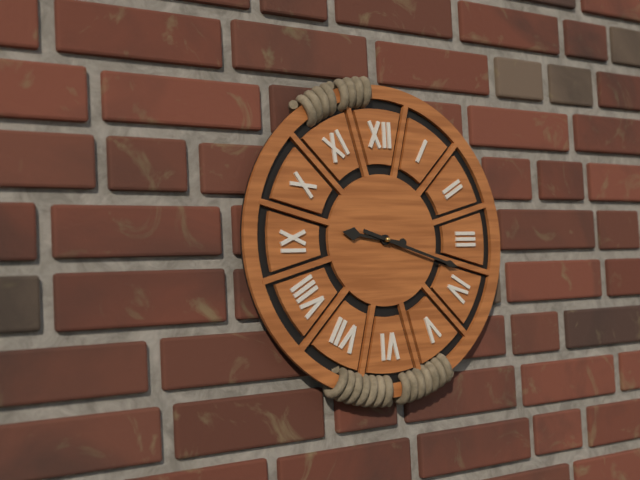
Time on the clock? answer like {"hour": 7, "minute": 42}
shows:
{"hour": 9, "minute": 18}
